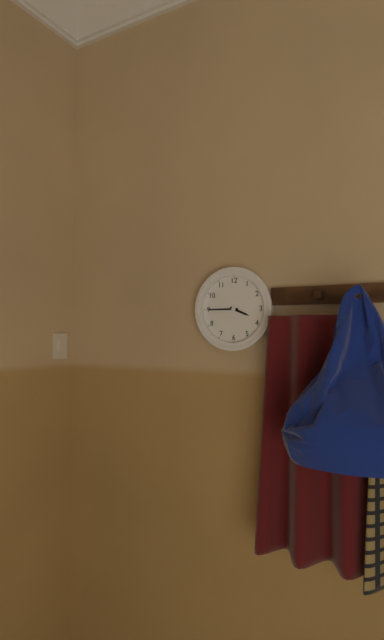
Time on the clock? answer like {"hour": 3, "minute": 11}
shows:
{"hour": 3, "minute": 45}
